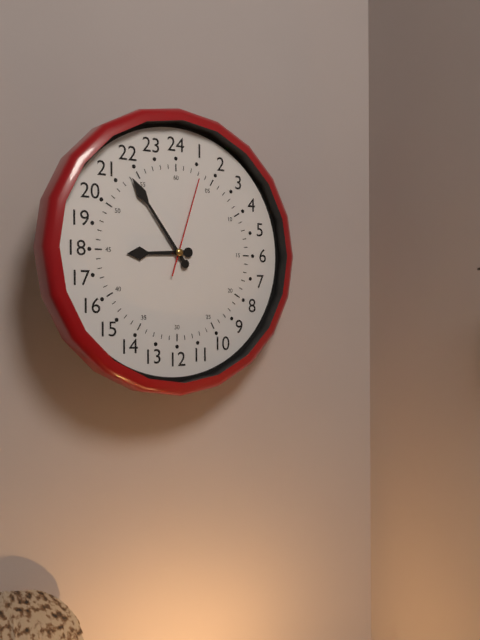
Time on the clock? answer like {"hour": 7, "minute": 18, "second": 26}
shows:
{"hour": 8, "minute": 54, "second": 3}
